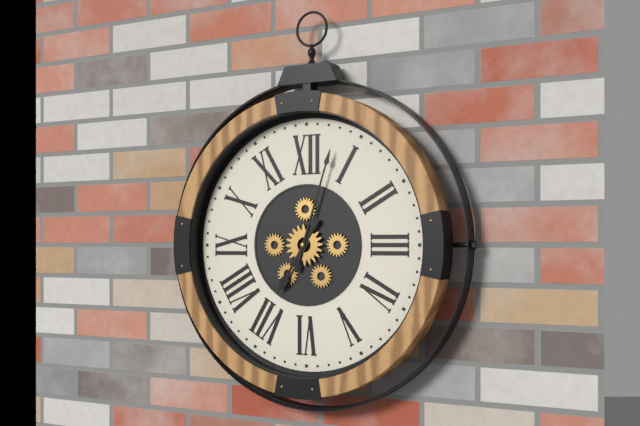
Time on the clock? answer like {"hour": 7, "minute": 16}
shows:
{"hour": 7, "minute": 3}
